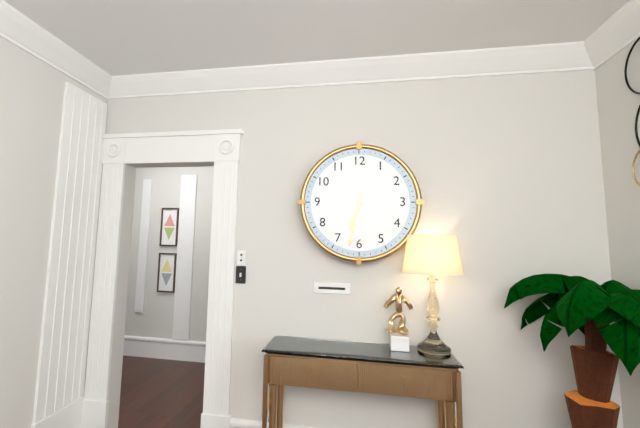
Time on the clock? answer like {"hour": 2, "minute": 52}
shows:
{"hour": 6, "minute": 32}
